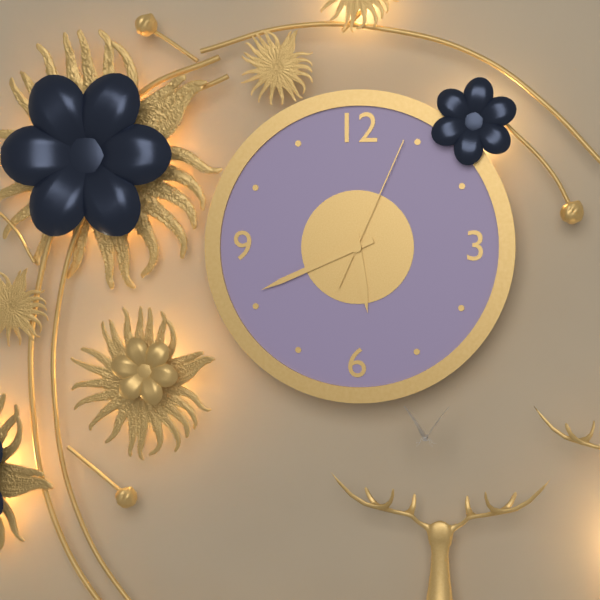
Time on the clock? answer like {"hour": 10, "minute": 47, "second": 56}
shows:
{"hour": 5, "minute": 41, "second": 4}
